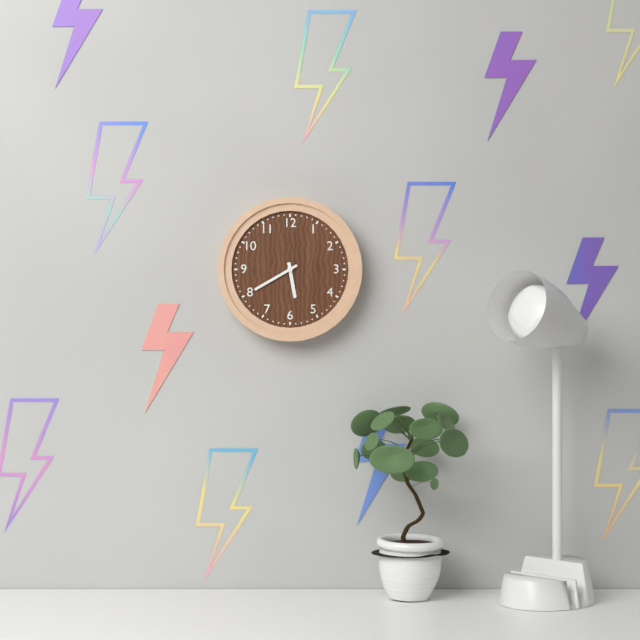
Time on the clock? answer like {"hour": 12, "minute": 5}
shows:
{"hour": 5, "minute": 40}
